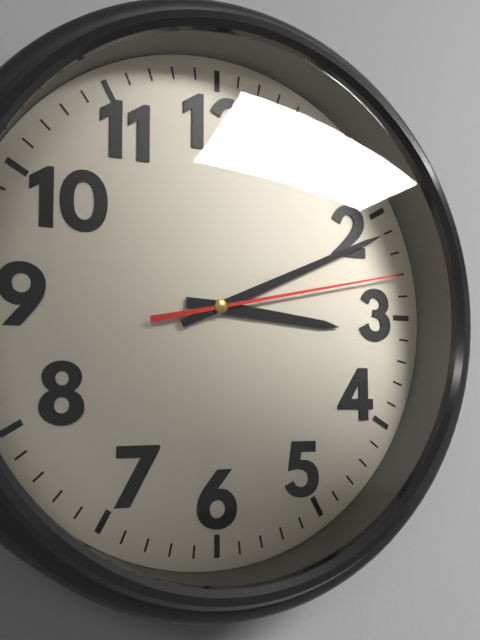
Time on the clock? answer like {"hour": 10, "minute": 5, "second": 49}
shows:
{"hour": 3, "minute": 11, "second": 13}
